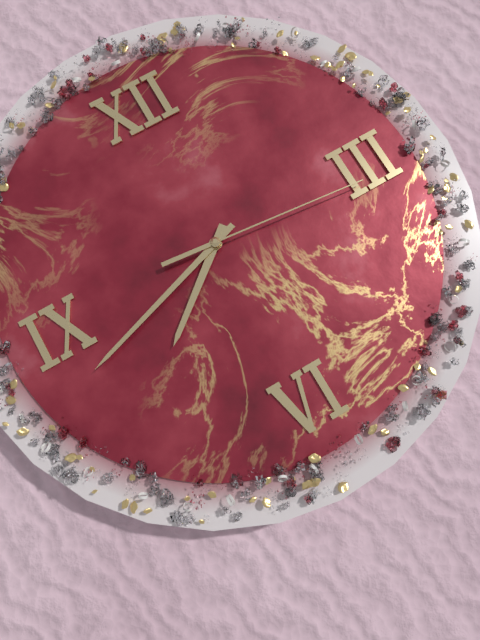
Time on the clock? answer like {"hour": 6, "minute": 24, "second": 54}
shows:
{"hour": 7, "minute": 42, "second": 16}
